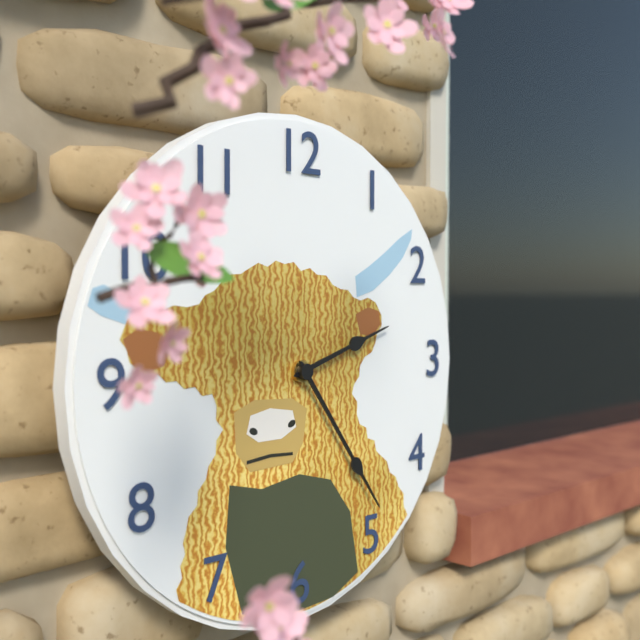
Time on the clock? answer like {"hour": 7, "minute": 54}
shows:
{"hour": 2, "minute": 24}
